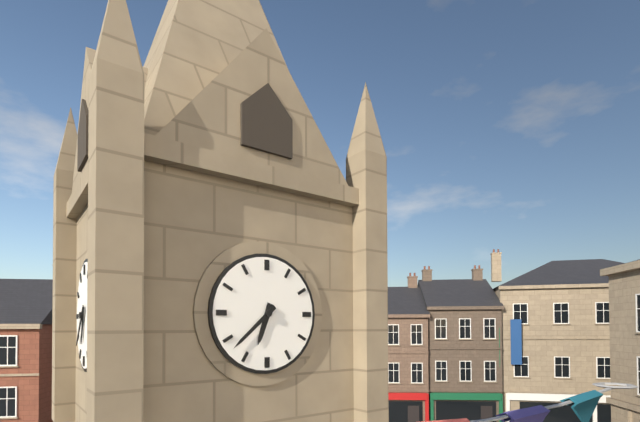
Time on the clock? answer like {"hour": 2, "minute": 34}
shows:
{"hour": 6, "minute": 38}
